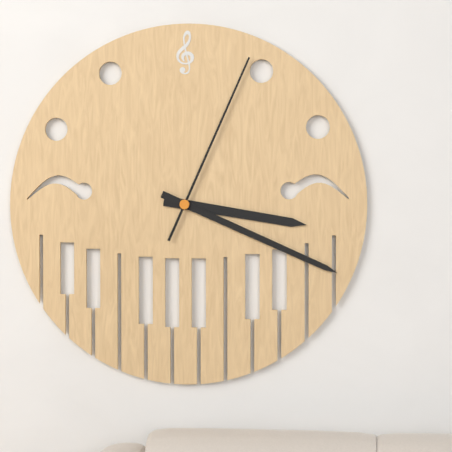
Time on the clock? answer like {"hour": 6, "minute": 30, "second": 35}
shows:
{"hour": 3, "minute": 19, "second": 4}
